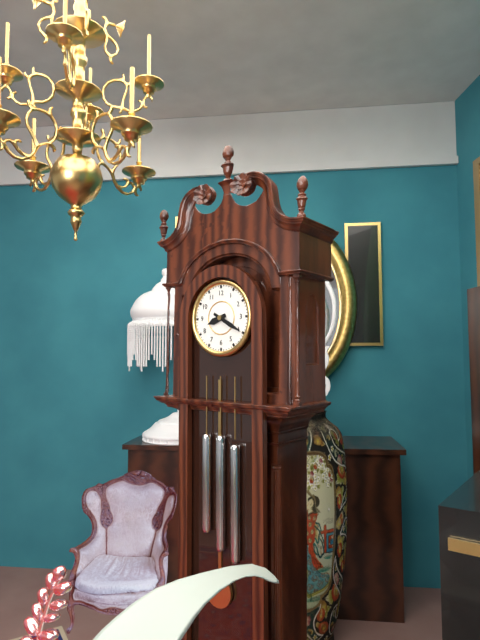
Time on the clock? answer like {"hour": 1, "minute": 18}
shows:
{"hour": 8, "minute": 20}
